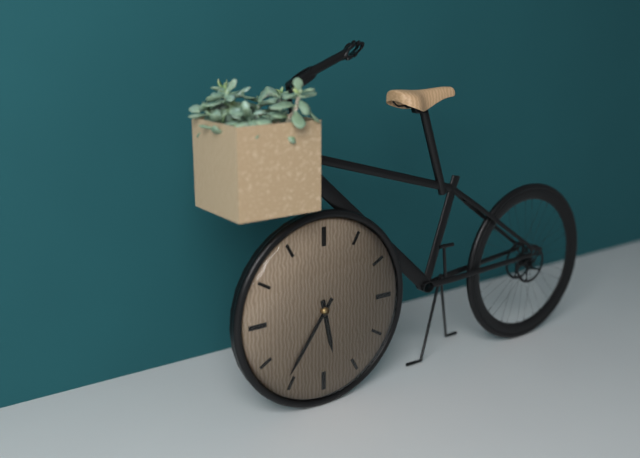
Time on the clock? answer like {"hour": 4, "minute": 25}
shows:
{"hour": 5, "minute": 36}
